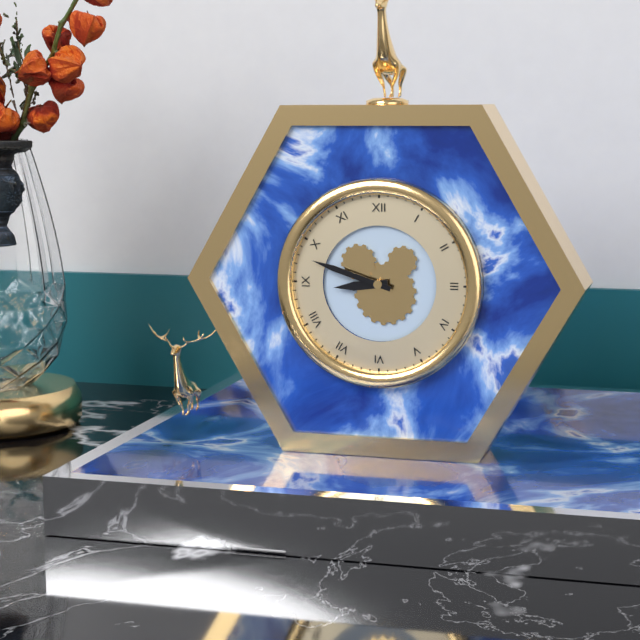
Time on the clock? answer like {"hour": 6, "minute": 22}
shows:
{"hour": 8, "minute": 48}
